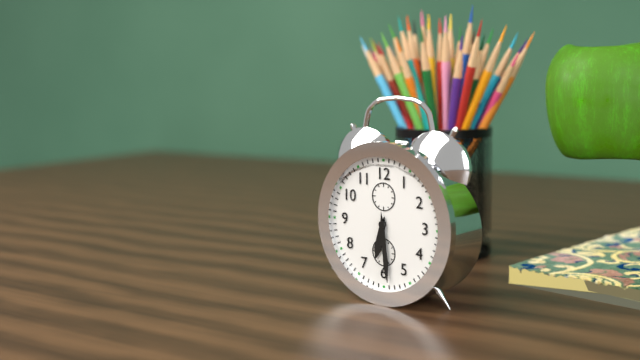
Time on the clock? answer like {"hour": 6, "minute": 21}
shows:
{"hour": 6, "minute": 29}
